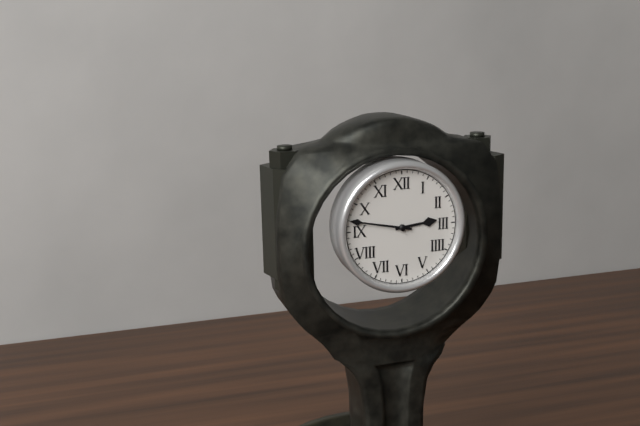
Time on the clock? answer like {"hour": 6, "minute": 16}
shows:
{"hour": 2, "minute": 47}
